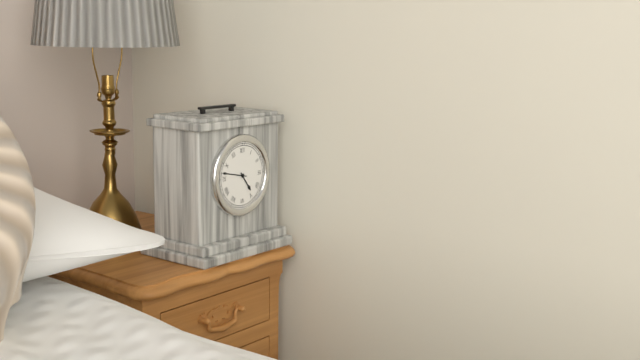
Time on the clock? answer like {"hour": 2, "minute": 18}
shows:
{"hour": 4, "minute": 47}
